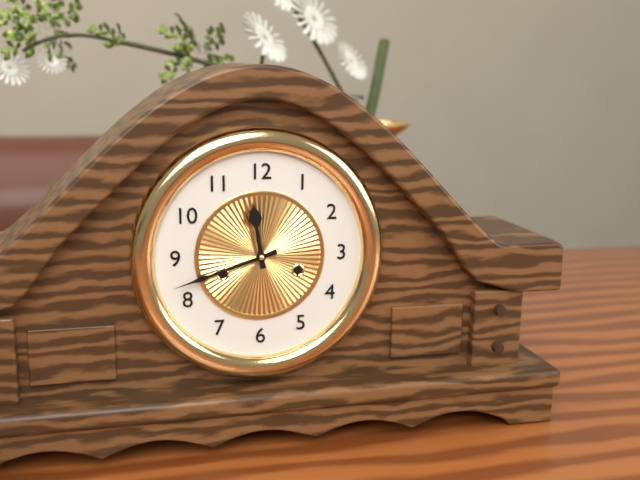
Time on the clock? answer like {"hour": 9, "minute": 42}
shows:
{"hour": 11, "minute": 42}
